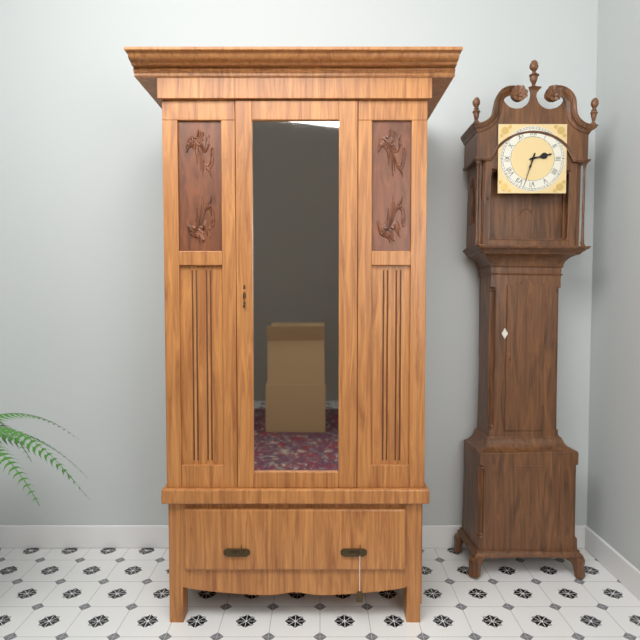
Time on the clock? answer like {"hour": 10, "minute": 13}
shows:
{"hour": 2, "minute": 33}
